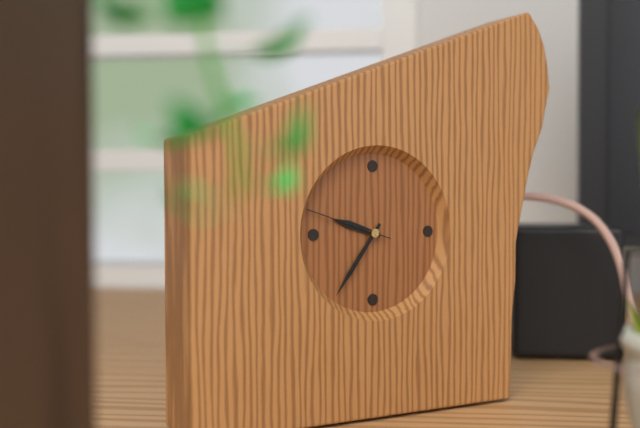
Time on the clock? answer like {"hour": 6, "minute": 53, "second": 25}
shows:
{"hour": 9, "minute": 36, "second": 48}
